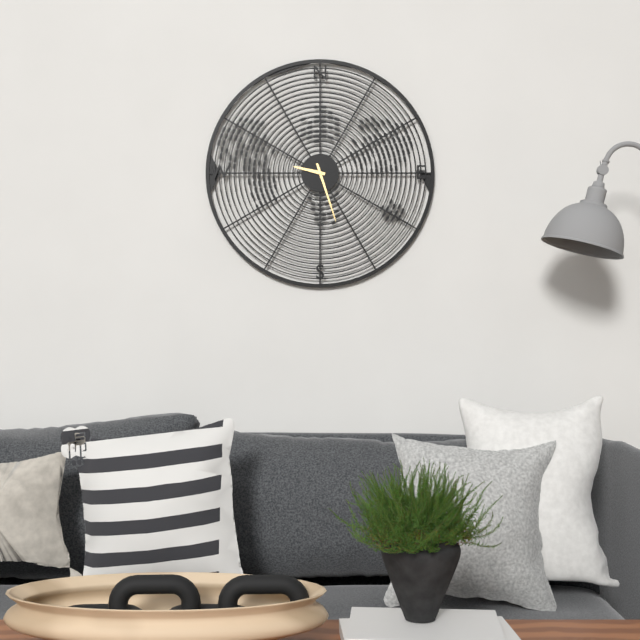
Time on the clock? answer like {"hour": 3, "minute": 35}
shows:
{"hour": 9, "minute": 27}
